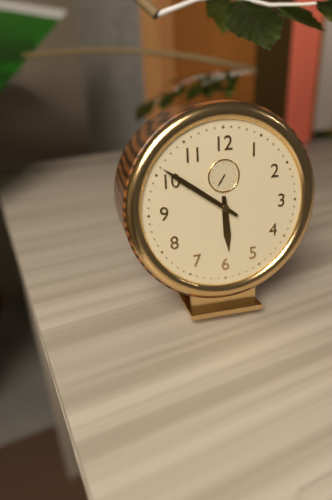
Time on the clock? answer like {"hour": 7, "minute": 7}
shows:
{"hour": 5, "minute": 51}
